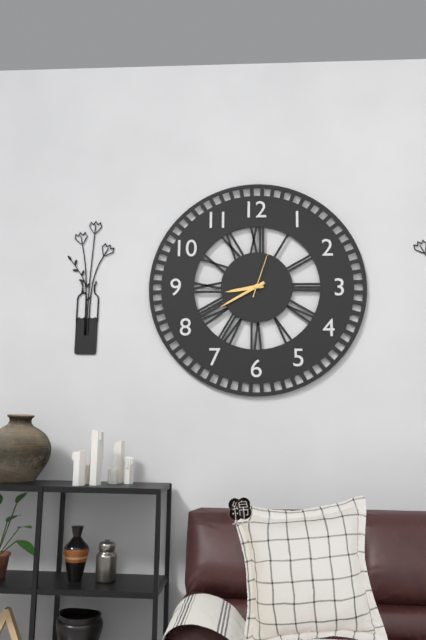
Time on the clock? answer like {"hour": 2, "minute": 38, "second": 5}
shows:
{"hour": 8, "minute": 40, "second": 3}
